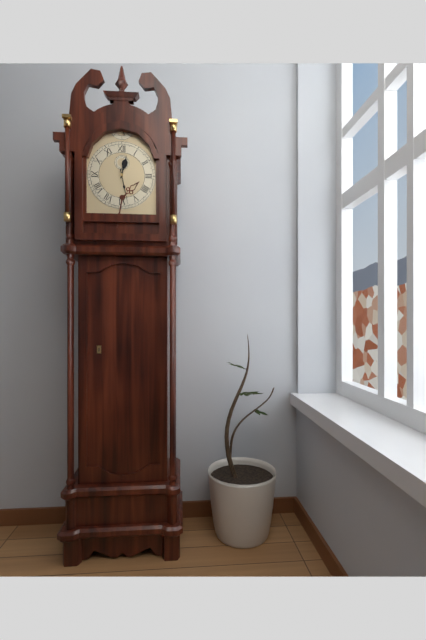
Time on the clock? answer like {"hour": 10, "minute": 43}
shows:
{"hour": 12, "minute": 28}
